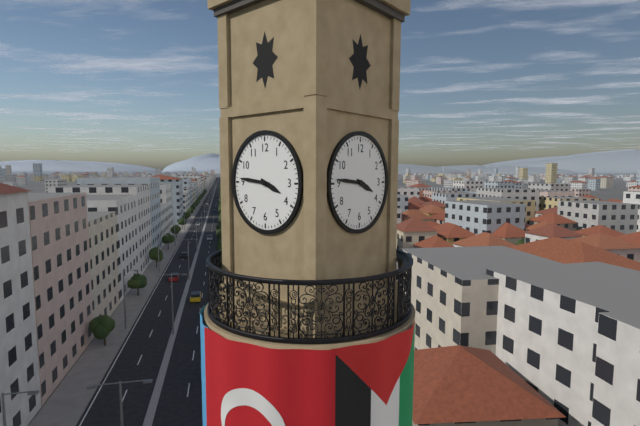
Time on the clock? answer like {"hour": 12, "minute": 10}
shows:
{"hour": 3, "minute": 46}
